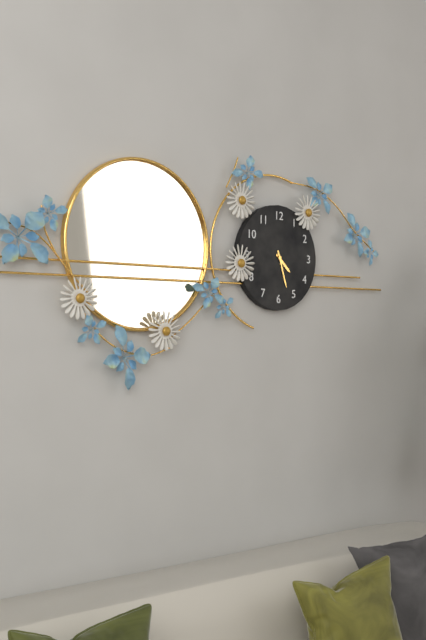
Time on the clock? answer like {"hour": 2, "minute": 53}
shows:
{"hour": 4, "minute": 27}
